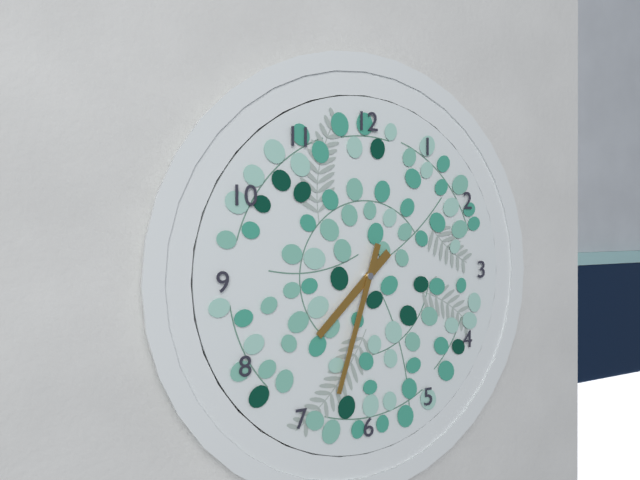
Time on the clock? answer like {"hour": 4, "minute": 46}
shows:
{"hour": 7, "minute": 33}
